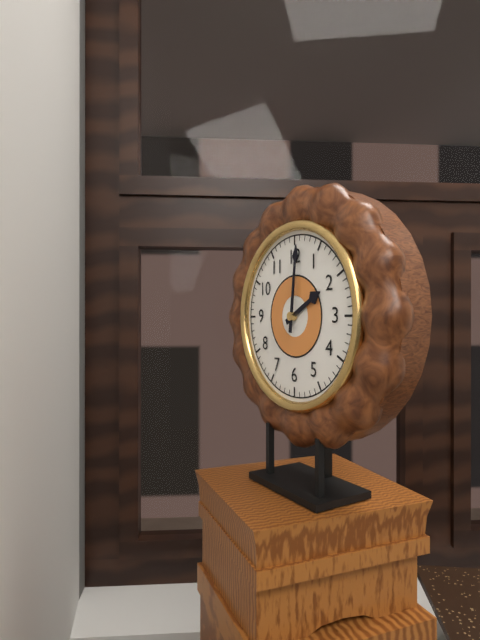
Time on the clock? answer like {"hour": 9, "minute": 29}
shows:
{"hour": 2, "minute": 1}
